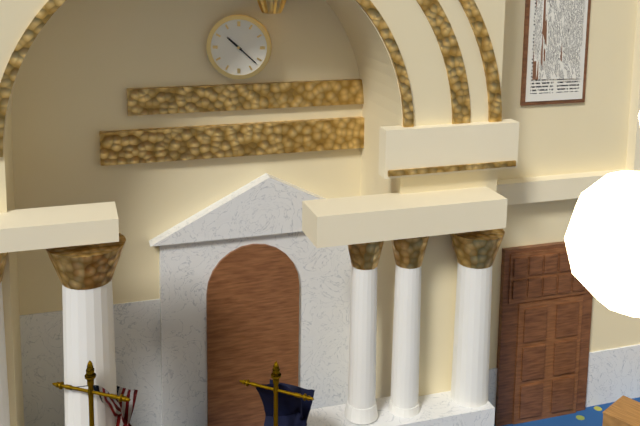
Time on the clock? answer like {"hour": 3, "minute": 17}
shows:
{"hour": 10, "minute": 22}
